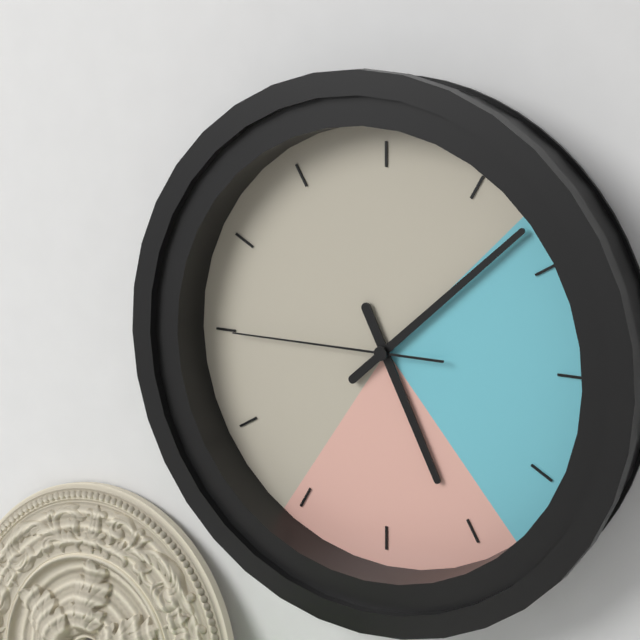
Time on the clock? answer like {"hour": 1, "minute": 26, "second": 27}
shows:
{"hour": 5, "minute": 8, "second": 45}
